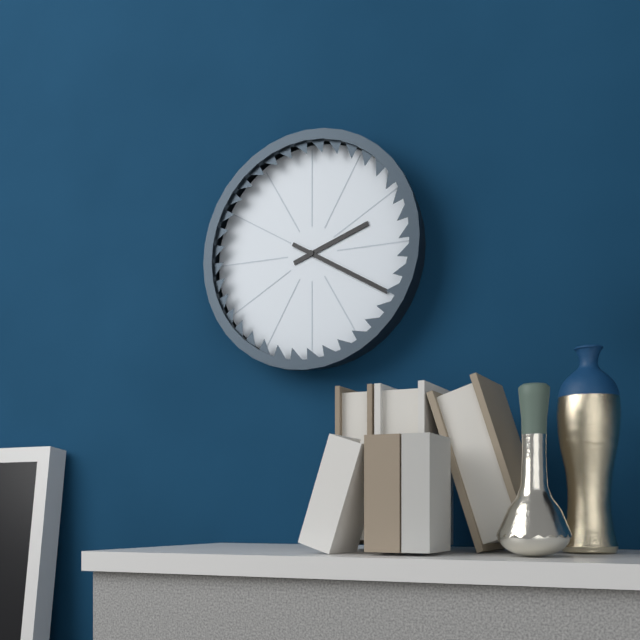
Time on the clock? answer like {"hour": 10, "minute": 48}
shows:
{"hour": 2, "minute": 20}
